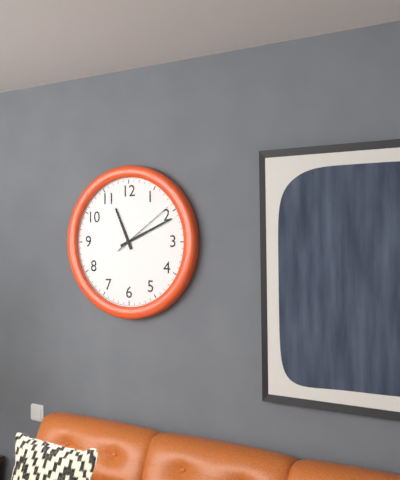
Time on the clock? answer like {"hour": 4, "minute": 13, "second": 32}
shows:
{"hour": 11, "minute": 11, "second": 9}
